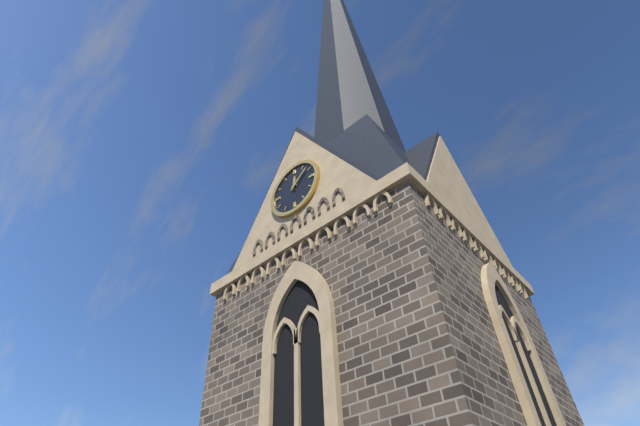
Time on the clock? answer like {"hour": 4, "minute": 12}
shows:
{"hour": 12, "minute": 8}
